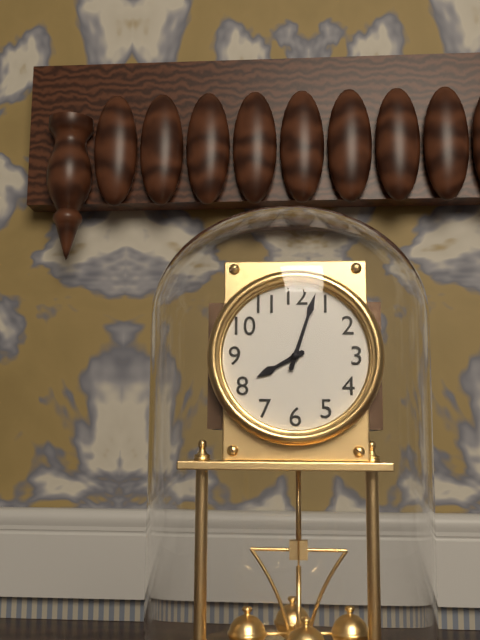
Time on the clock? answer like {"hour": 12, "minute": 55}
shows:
{"hour": 8, "minute": 3}
